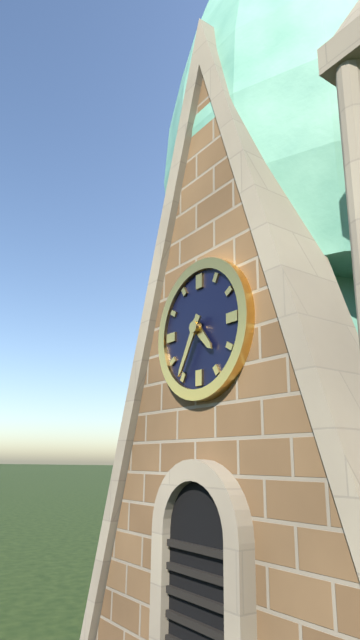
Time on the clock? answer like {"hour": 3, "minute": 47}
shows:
{"hour": 4, "minute": 35}
